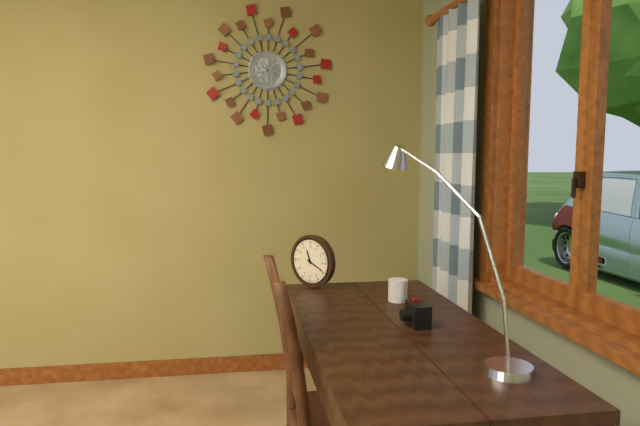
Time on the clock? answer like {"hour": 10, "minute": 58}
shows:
{"hour": 11, "minute": 19}
